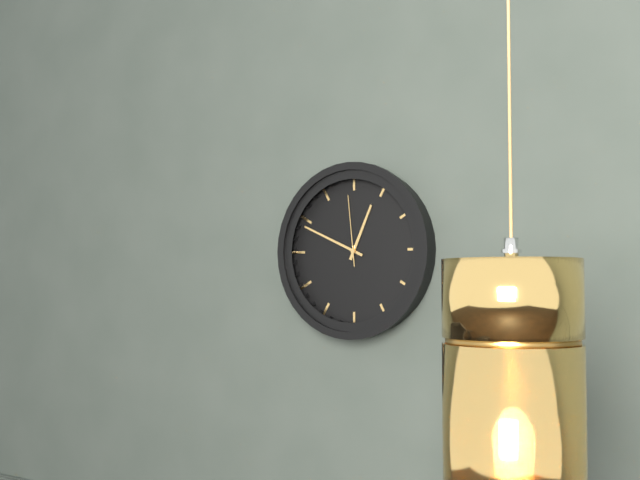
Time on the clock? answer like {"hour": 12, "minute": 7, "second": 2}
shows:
{"hour": 12, "minute": 49, "second": 59}
